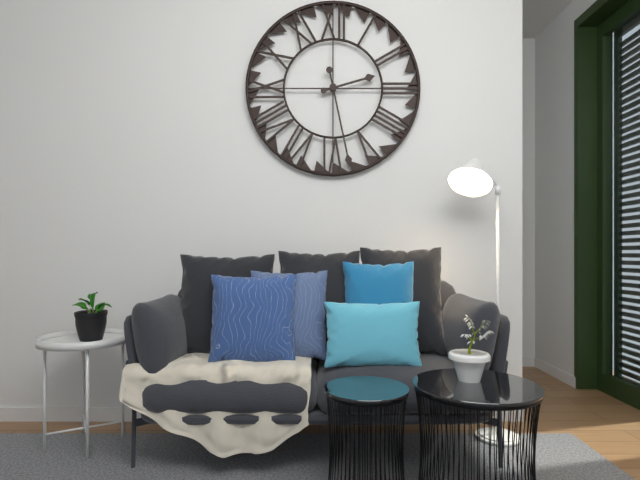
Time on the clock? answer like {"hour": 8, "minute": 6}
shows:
{"hour": 2, "minute": 28}
